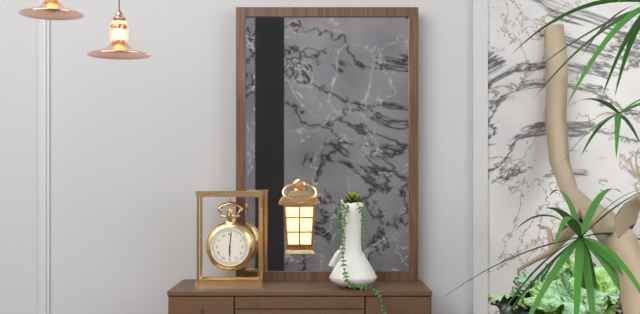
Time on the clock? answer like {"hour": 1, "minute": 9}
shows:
{"hour": 6, "minute": 1}
